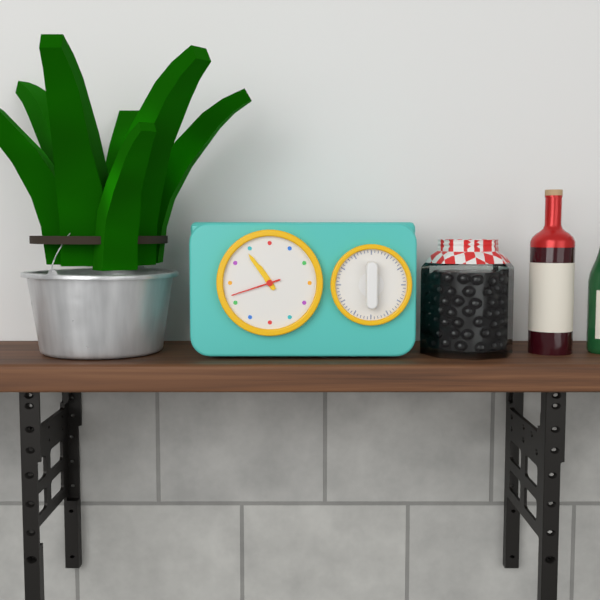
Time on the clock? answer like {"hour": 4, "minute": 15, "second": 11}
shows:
{"hour": 10, "minute": 54, "second": 42}
